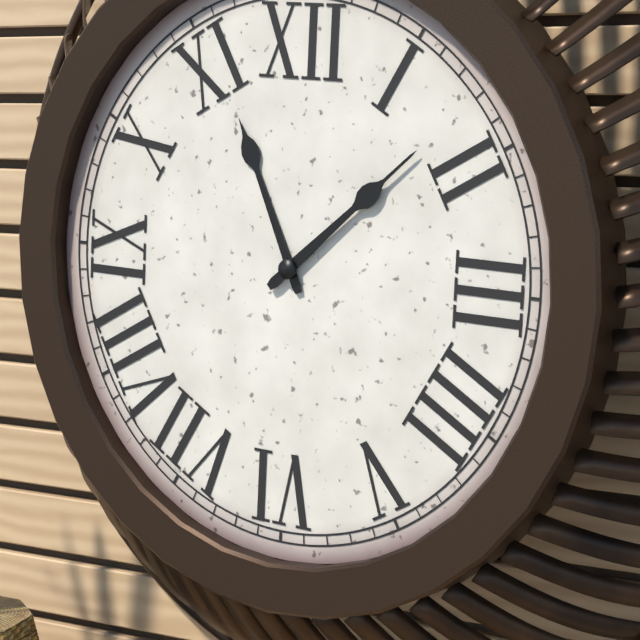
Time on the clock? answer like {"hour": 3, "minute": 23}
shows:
{"hour": 11, "minute": 8}
